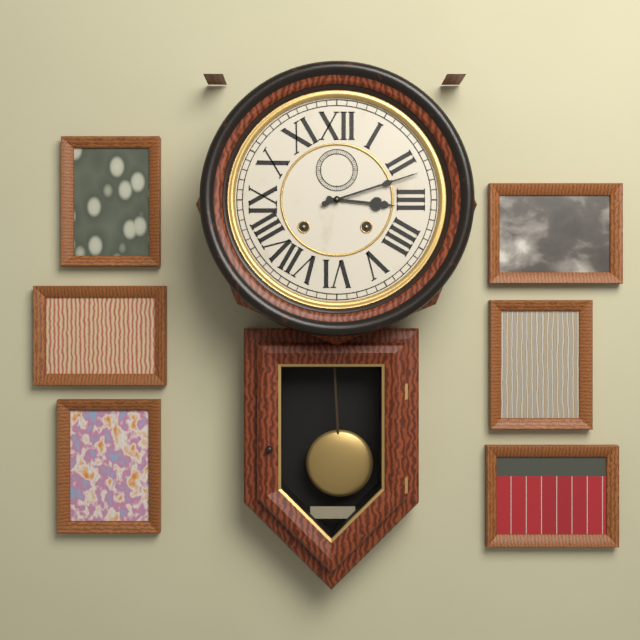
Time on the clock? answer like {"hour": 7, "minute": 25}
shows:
{"hour": 3, "minute": 12}
